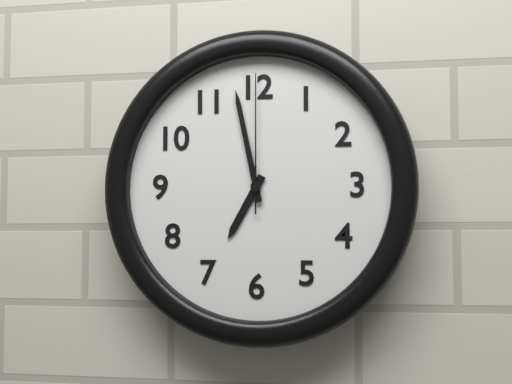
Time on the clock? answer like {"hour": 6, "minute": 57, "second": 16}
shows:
{"hour": 6, "minute": 58, "second": 0}
